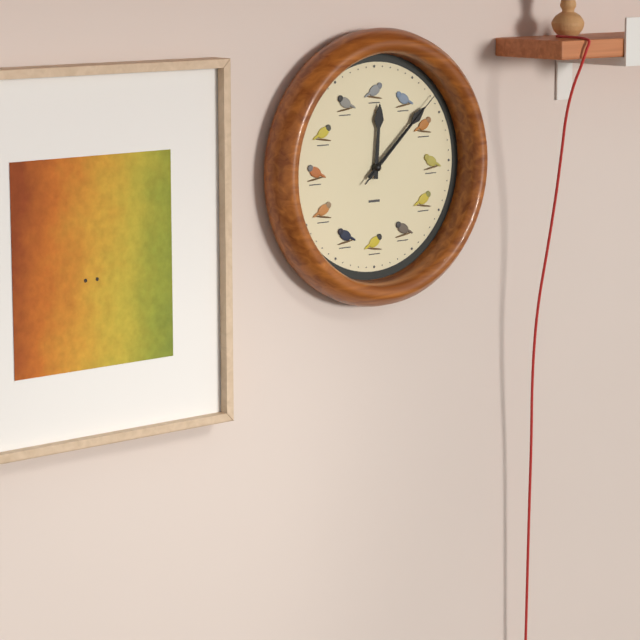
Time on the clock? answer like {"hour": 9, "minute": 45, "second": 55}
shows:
{"hour": 12, "minute": 8, "second": 8}
